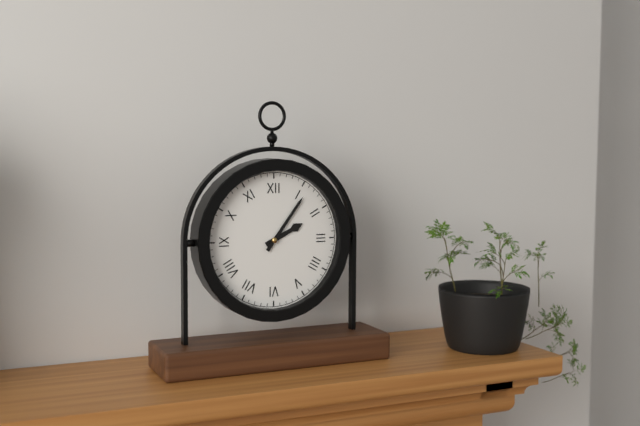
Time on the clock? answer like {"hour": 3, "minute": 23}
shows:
{"hour": 2, "minute": 6}
